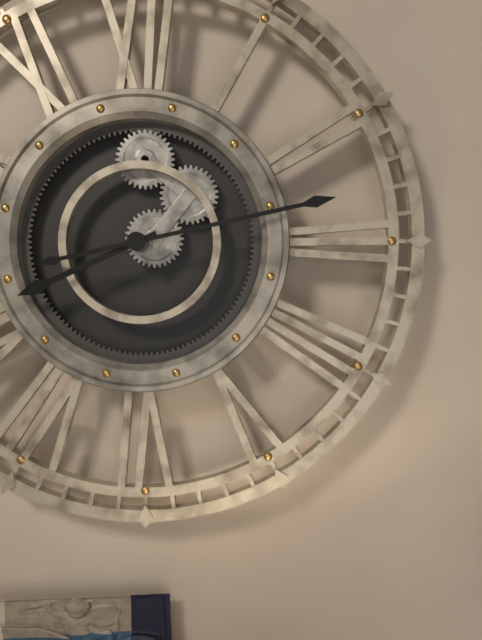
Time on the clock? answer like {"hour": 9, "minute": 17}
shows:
{"hour": 8, "minute": 13}
